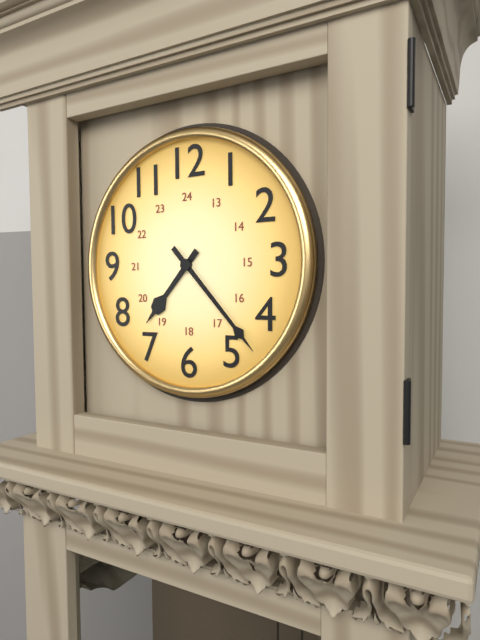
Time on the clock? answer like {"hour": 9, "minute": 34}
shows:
{"hour": 7, "minute": 23}
